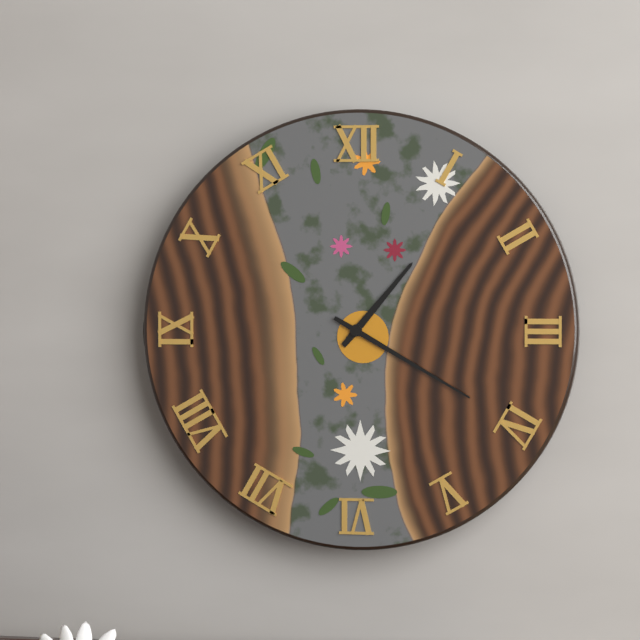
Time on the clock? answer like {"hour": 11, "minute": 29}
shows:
{"hour": 1, "minute": 20}
